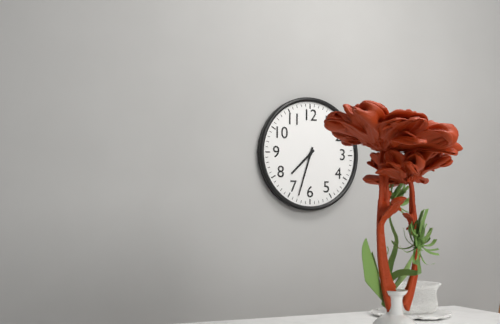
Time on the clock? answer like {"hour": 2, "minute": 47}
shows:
{"hour": 7, "minute": 33}
